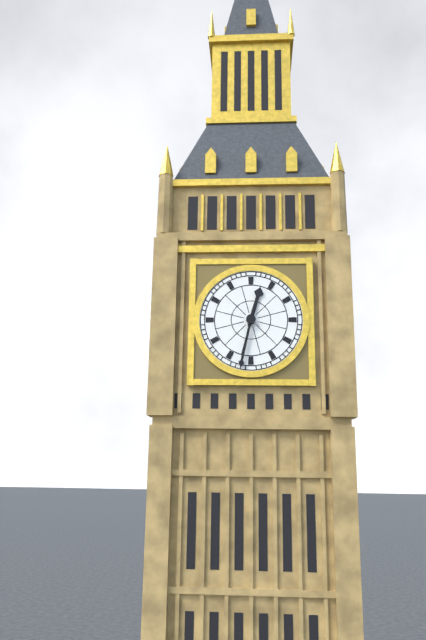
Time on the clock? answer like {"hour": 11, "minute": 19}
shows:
{"hour": 12, "minute": 32}
